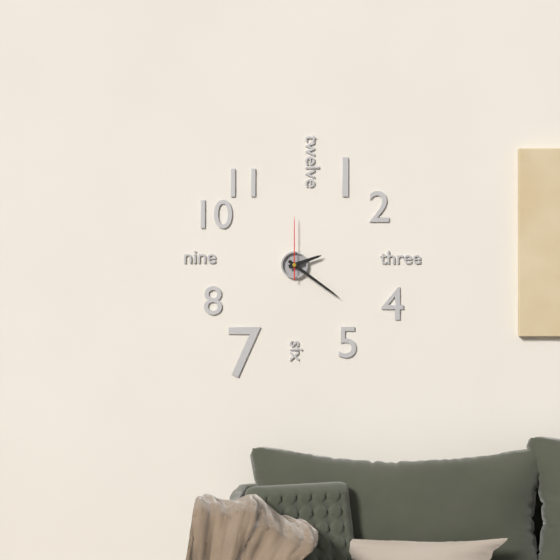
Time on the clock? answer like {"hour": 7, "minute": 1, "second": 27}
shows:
{"hour": 2, "minute": 21, "second": 0}
